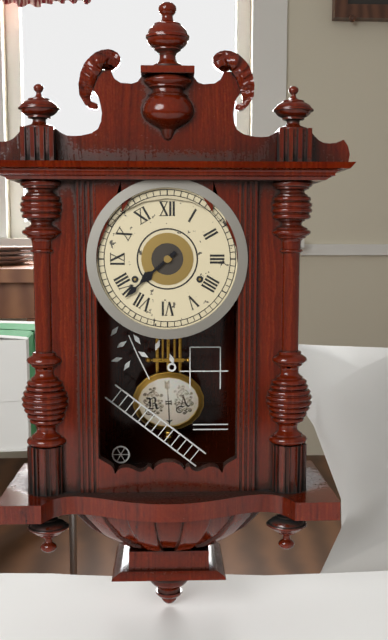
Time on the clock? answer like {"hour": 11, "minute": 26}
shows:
{"hour": 7, "minute": 38}
